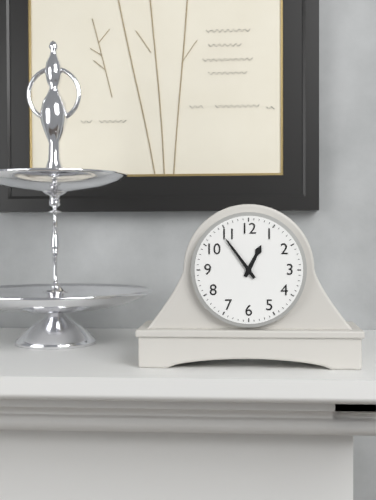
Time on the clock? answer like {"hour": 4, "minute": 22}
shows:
{"hour": 12, "minute": 54}
